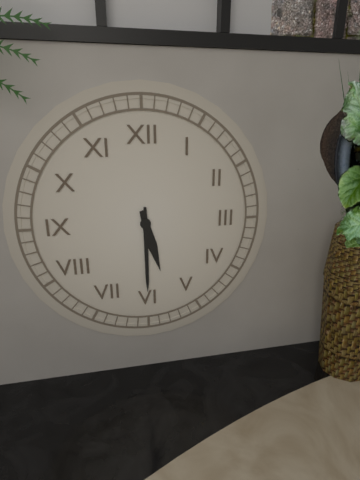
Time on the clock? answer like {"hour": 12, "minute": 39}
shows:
{"hour": 5, "minute": 30}
